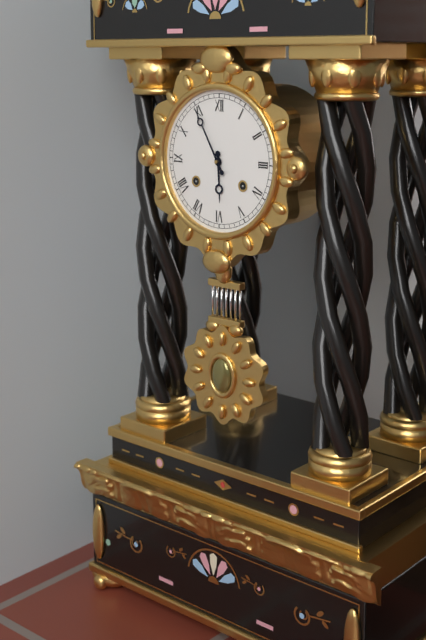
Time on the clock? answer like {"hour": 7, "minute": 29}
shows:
{"hour": 5, "minute": 55}
